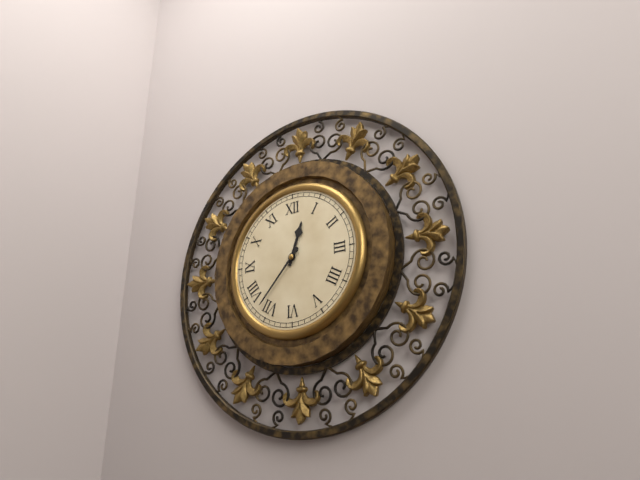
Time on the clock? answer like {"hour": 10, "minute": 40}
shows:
{"hour": 12, "minute": 37}
